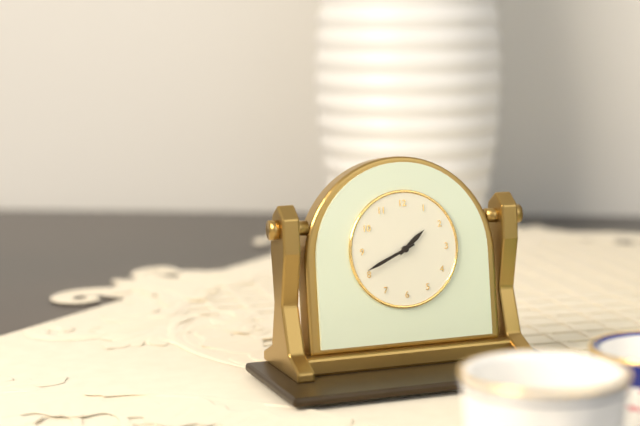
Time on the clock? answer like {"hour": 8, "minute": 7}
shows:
{"hour": 1, "minute": 41}
